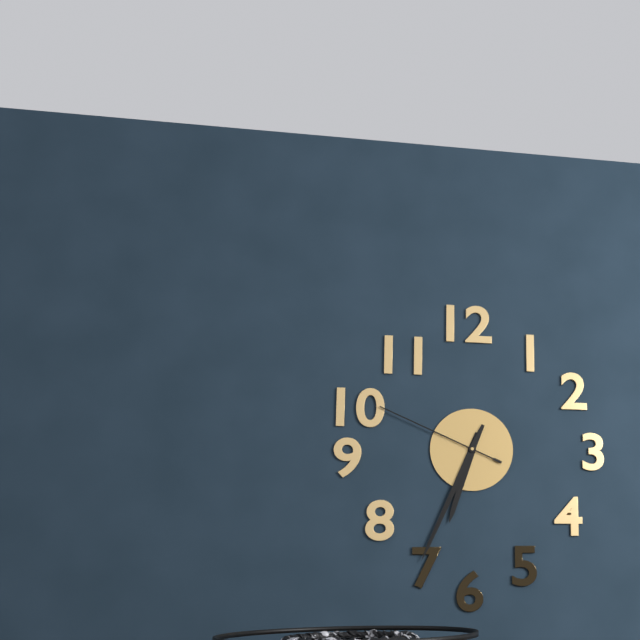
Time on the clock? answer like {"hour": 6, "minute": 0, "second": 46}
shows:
{"hour": 6, "minute": 34, "second": 49}
